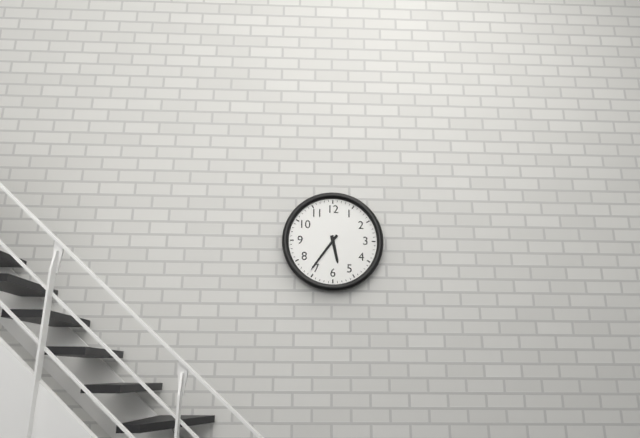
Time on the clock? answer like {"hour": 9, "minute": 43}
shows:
{"hour": 5, "minute": 36}
